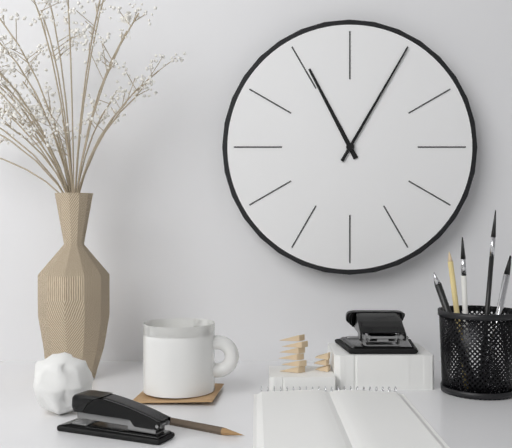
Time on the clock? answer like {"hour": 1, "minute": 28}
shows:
{"hour": 11, "minute": 5}
